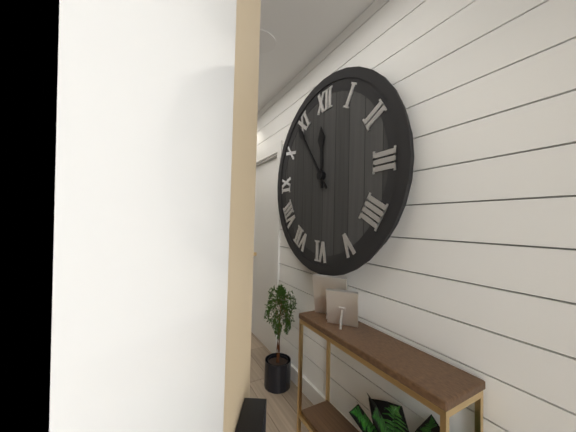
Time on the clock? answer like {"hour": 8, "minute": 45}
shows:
{"hour": 11, "minute": 54}
